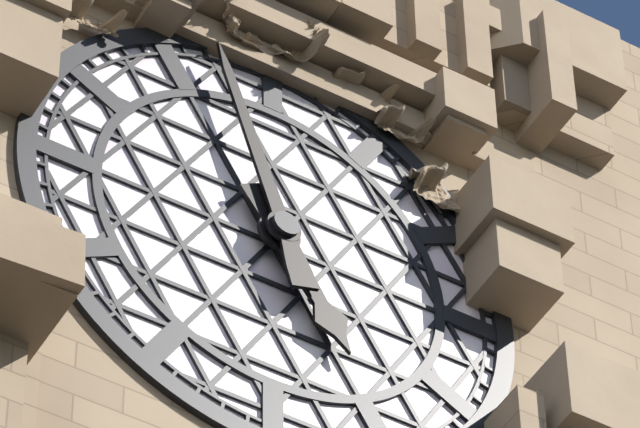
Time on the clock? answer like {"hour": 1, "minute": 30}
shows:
{"hour": 4, "minute": 57}
